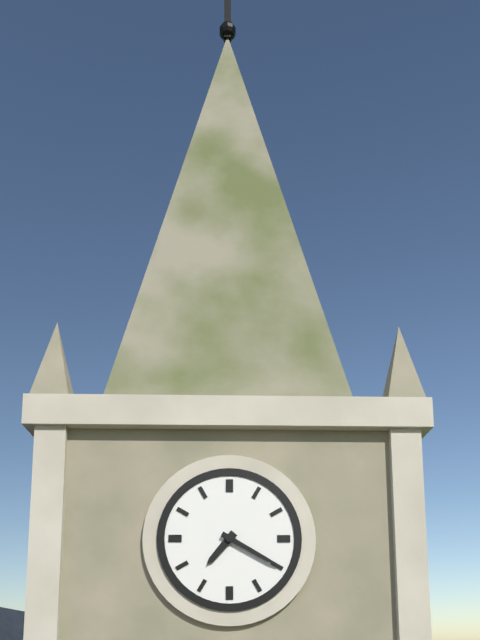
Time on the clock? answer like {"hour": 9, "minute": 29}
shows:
{"hour": 7, "minute": 20}
